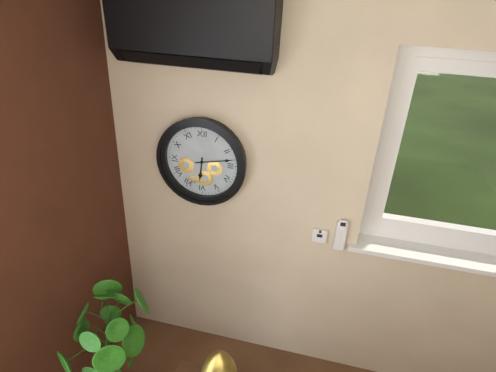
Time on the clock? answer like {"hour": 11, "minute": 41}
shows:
{"hour": 6, "minute": 13}
